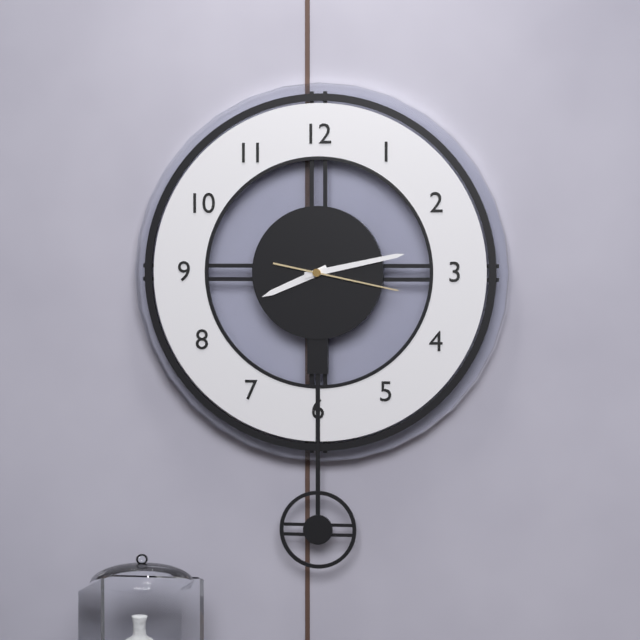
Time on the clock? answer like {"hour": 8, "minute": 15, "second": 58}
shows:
{"hour": 8, "minute": 13, "second": 17}
